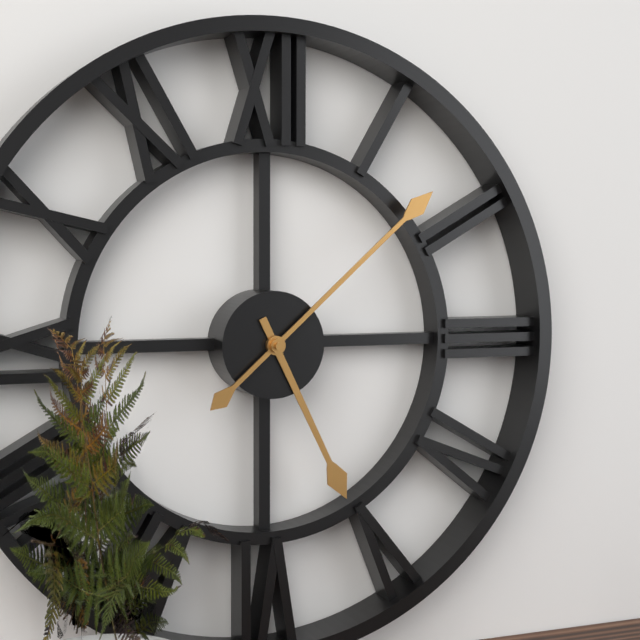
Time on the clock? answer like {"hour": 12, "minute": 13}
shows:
{"hour": 5, "minute": 8}
